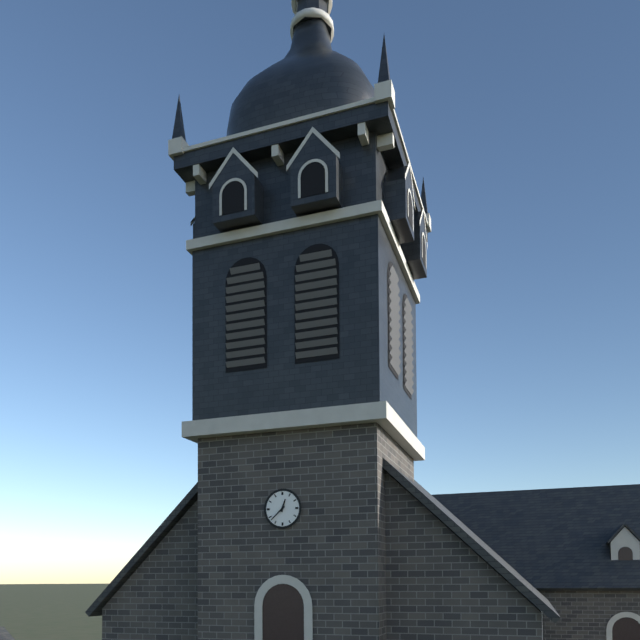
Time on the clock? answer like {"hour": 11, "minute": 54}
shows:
{"hour": 12, "minute": 38}
